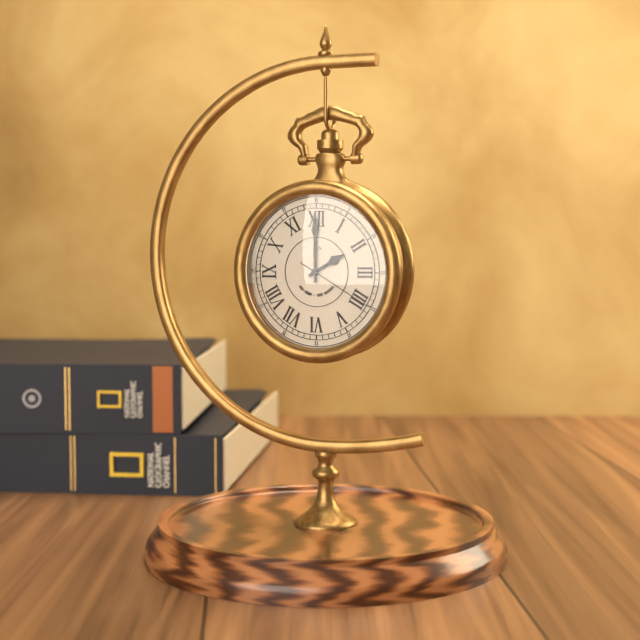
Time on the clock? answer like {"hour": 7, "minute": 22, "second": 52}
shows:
{"hour": 2, "minute": 0, "second": 20}
